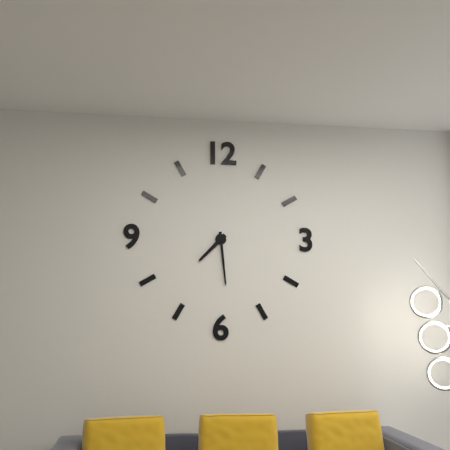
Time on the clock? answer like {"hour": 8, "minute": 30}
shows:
{"hour": 7, "minute": 29}
